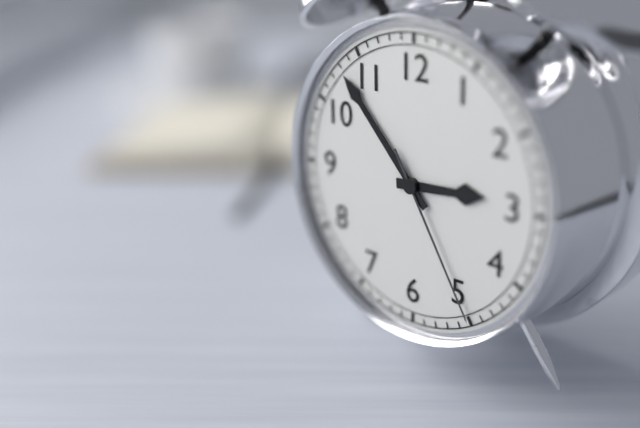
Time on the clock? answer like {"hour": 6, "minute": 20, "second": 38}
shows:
{"hour": 2, "minute": 53, "second": 25}
